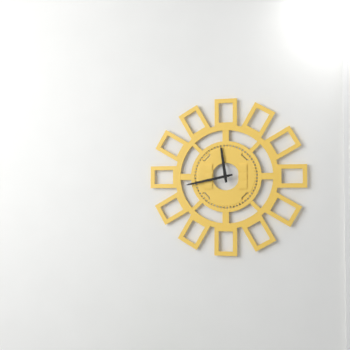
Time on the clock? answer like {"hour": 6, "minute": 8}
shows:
{"hour": 11, "minute": 43}
